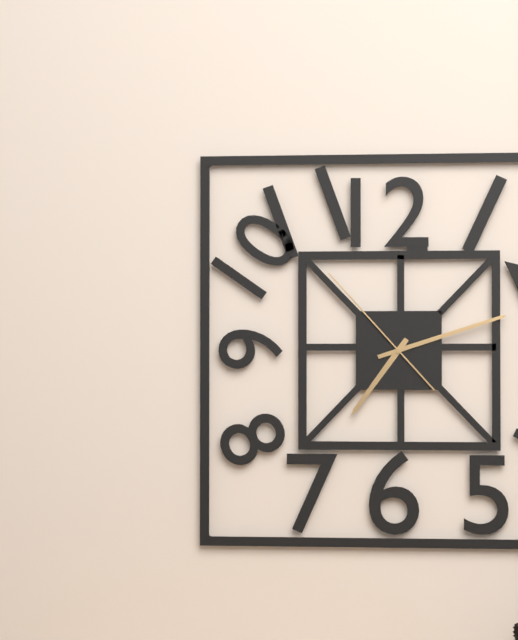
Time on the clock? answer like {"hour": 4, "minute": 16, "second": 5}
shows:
{"hour": 7, "minute": 12, "second": 53}
